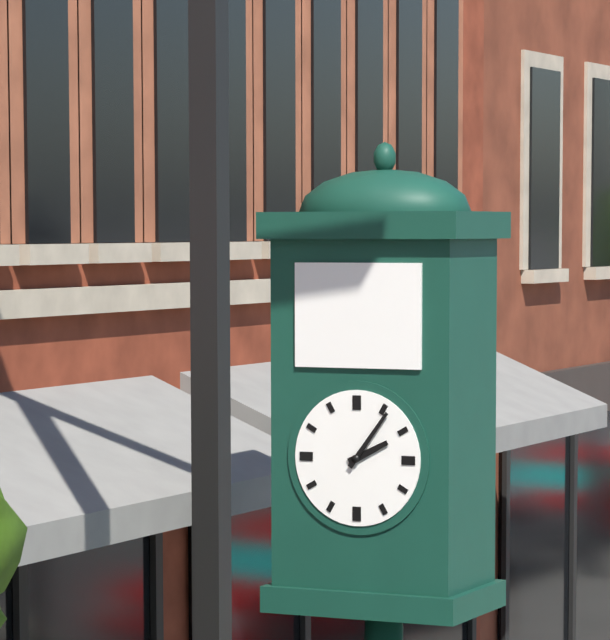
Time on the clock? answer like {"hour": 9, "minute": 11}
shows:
{"hour": 2, "minute": 6}
